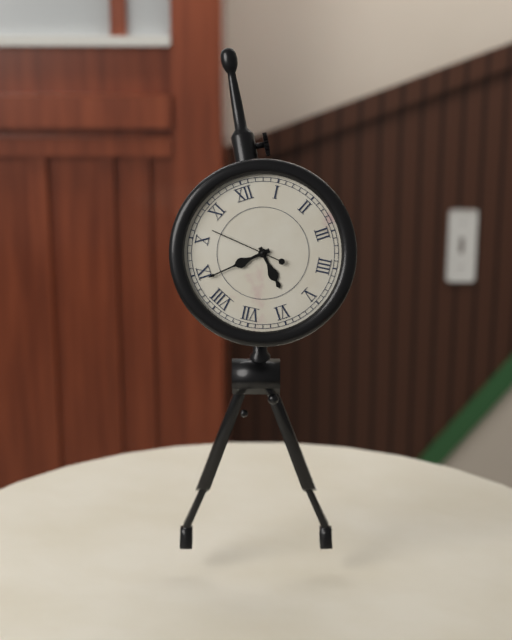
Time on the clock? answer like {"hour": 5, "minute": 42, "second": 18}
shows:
{"hour": 5, "minute": 44, "second": 52}
